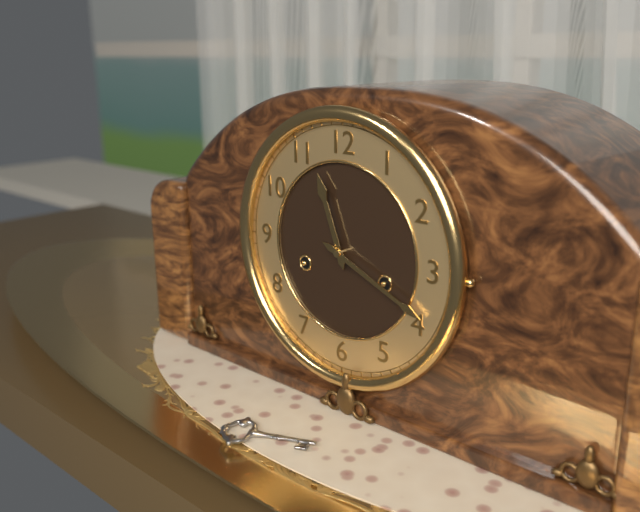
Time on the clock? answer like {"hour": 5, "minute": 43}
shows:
{"hour": 11, "minute": 19}
